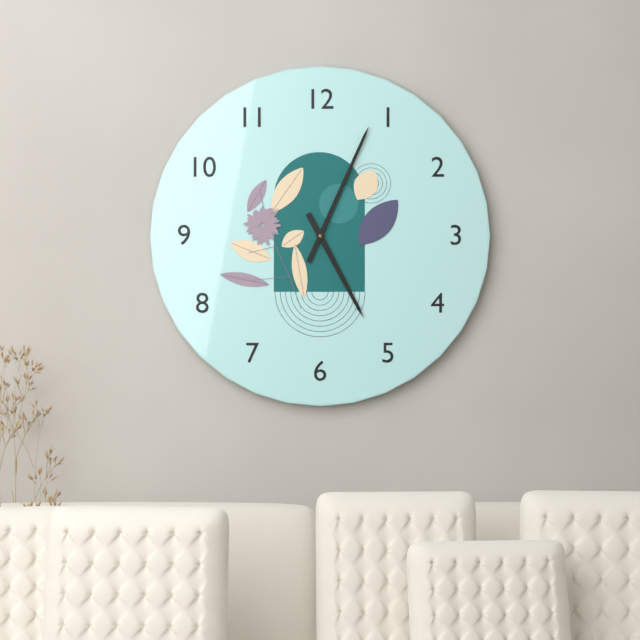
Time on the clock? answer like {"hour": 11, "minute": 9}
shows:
{"hour": 5, "minute": 4}
